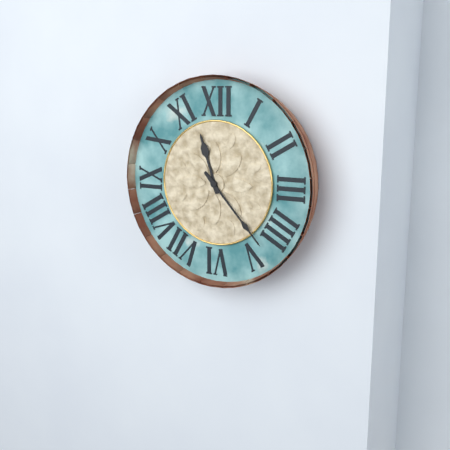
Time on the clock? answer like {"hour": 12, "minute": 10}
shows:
{"hour": 11, "minute": 23}
